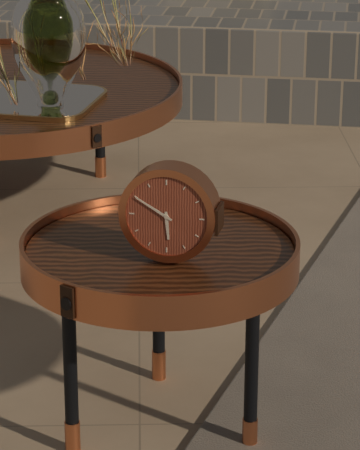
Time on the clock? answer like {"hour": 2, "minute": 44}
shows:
{"hour": 5, "minute": 50}
